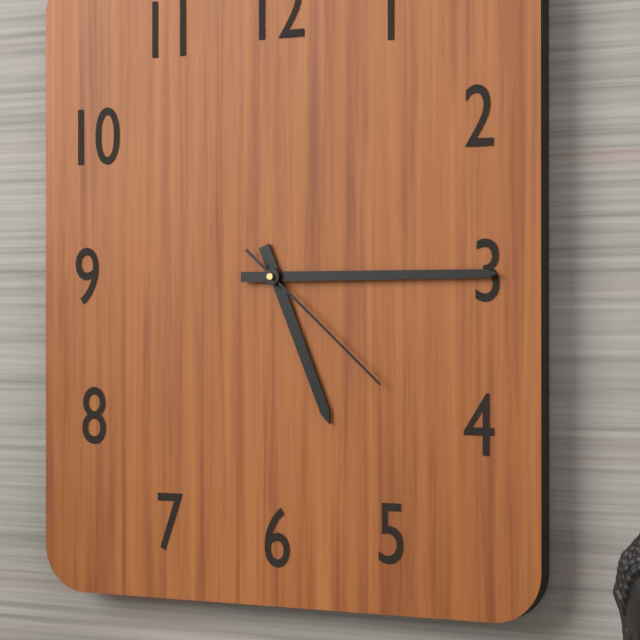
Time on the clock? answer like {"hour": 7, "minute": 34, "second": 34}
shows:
{"hour": 5, "minute": 15, "second": 22}
